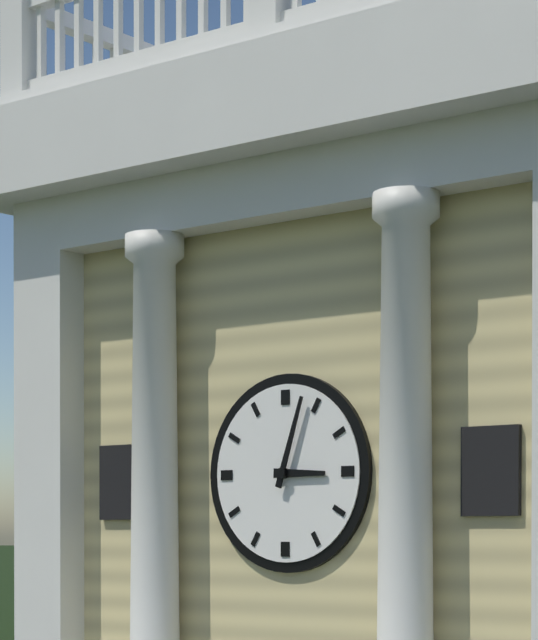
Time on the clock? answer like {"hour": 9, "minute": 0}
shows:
{"hour": 3, "minute": 3}
